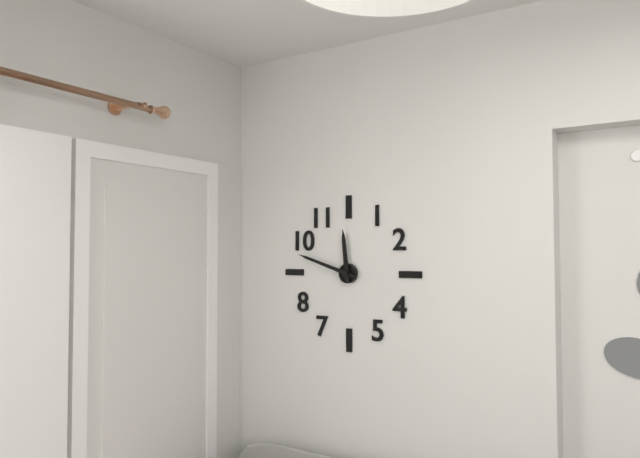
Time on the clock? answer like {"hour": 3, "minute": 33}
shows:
{"hour": 11, "minute": 48}
